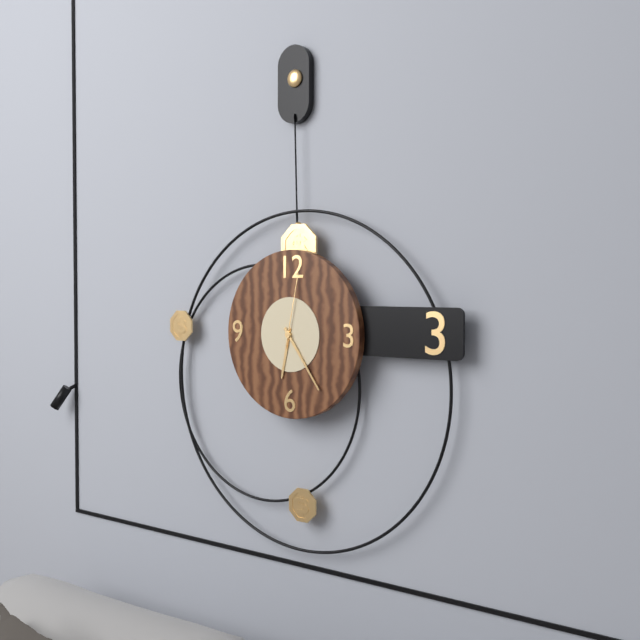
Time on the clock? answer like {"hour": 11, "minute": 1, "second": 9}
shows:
{"hour": 6, "minute": 24, "second": 2}
